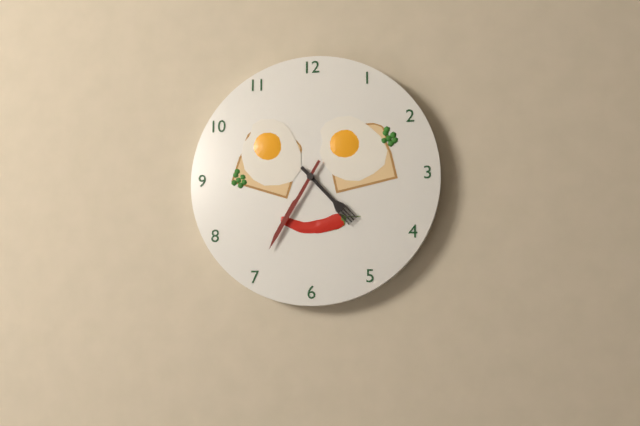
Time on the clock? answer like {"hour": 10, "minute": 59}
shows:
{"hour": 4, "minute": 35}
